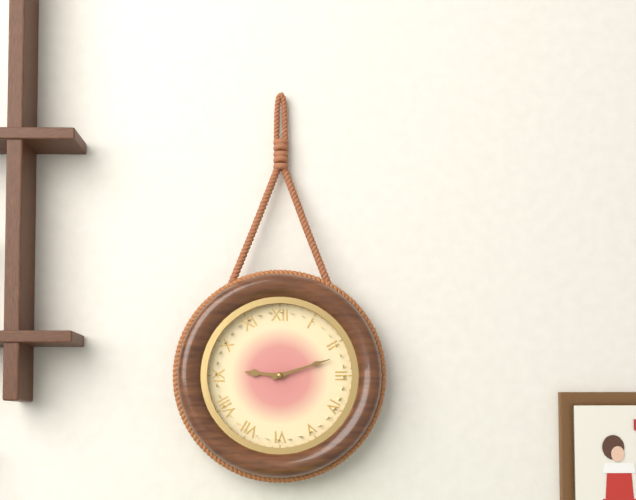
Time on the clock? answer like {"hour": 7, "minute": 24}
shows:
{"hour": 9, "minute": 12}
